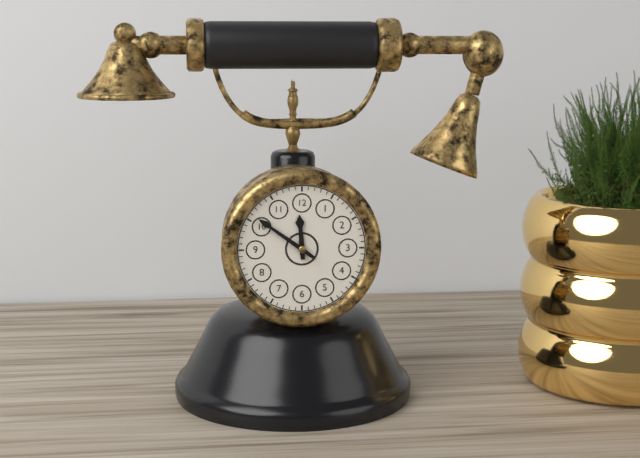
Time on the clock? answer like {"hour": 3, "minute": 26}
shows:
{"hour": 11, "minute": 51}
